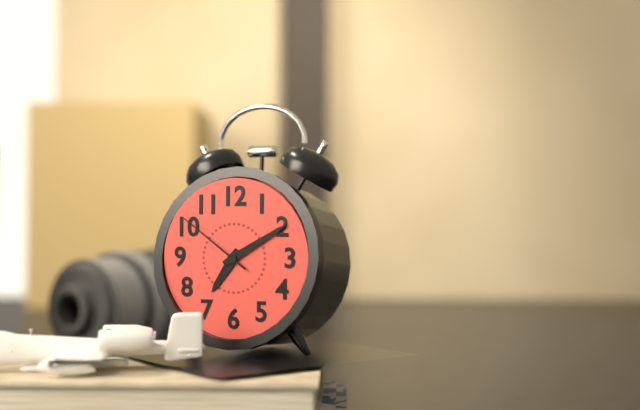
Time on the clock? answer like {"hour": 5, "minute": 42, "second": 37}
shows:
{"hour": 7, "minute": 10, "second": 51}
